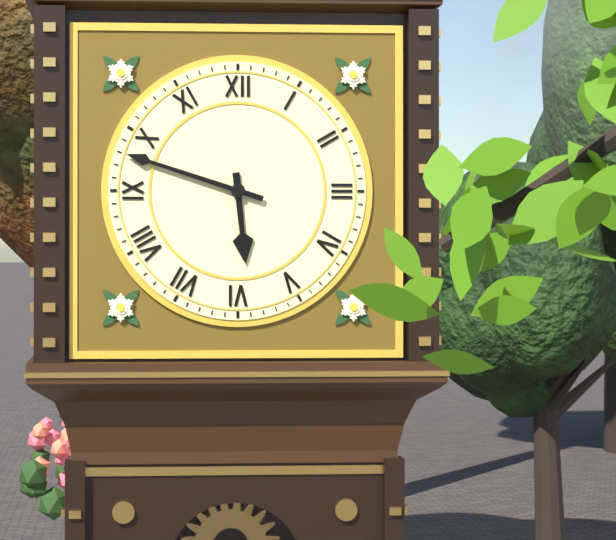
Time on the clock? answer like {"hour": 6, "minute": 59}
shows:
{"hour": 5, "minute": 48}
